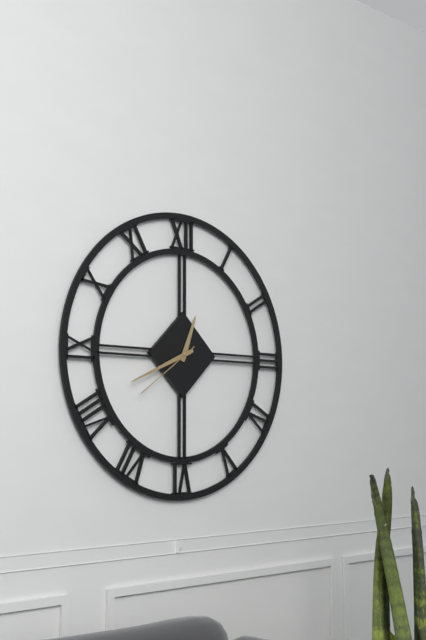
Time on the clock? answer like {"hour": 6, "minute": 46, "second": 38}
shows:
{"hour": 12, "minute": 41, "second": 39}
